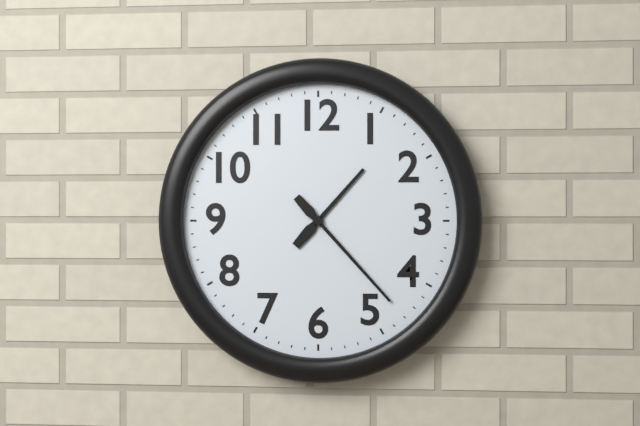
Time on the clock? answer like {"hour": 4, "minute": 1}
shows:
{"hour": 1, "minute": 23}
